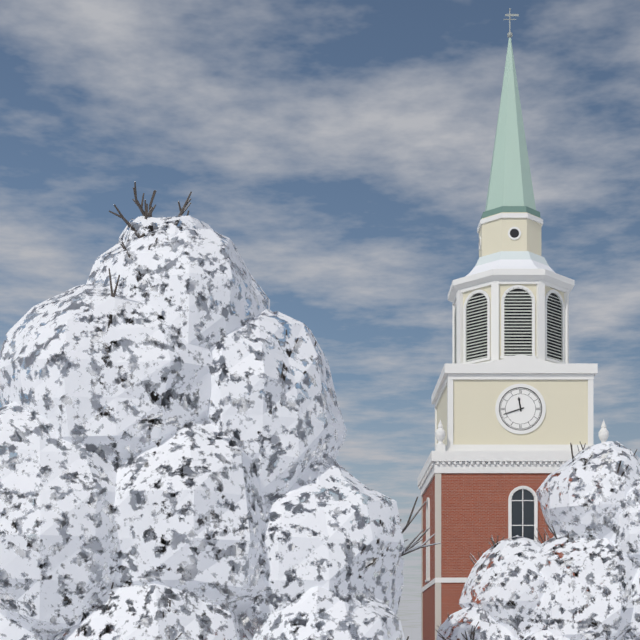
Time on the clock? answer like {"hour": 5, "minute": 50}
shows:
{"hour": 11, "minute": 42}
